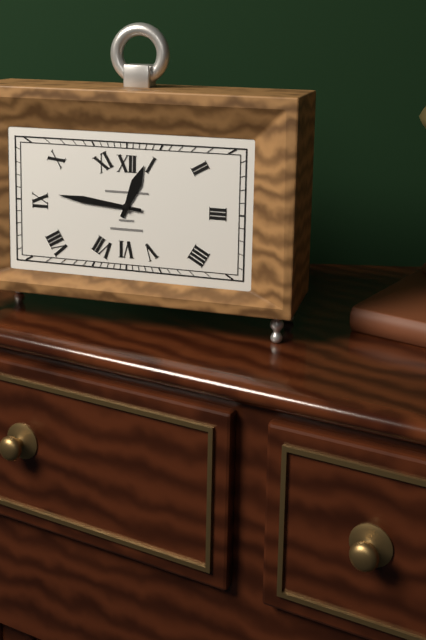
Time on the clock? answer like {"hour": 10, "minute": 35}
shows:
{"hour": 12, "minute": 46}
